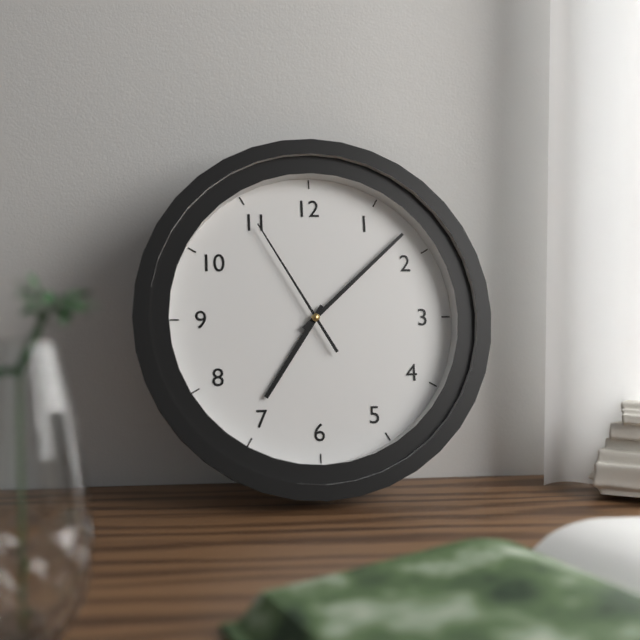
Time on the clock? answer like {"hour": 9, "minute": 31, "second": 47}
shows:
{"hour": 7, "minute": 8, "second": 55}
